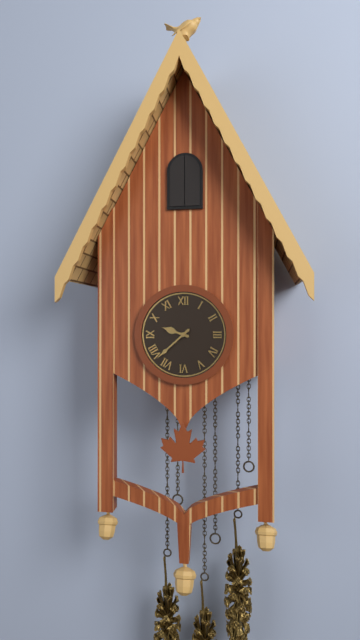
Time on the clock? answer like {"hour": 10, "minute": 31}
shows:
{"hour": 9, "minute": 38}
